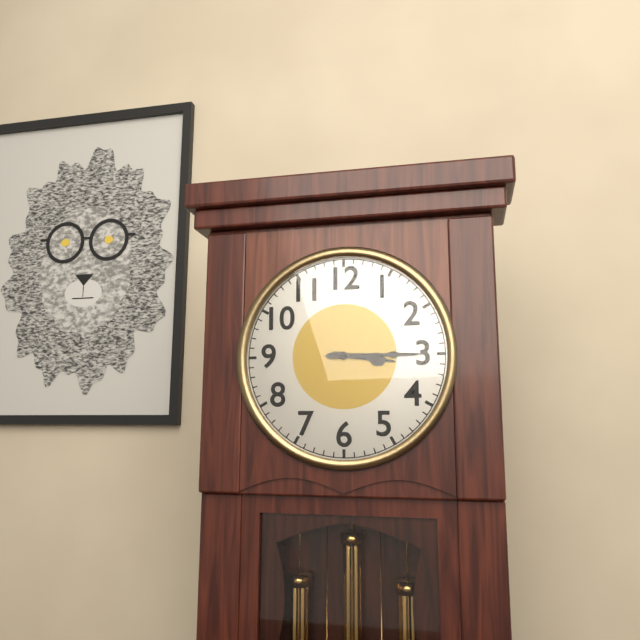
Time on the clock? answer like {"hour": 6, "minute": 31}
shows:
{"hour": 3, "minute": 15}
